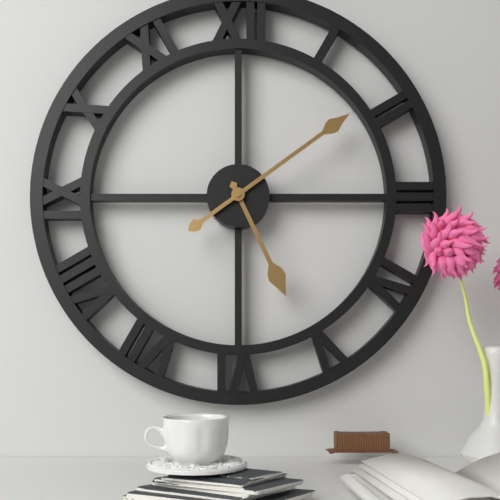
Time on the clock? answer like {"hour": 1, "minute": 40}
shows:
{"hour": 5, "minute": 9}
